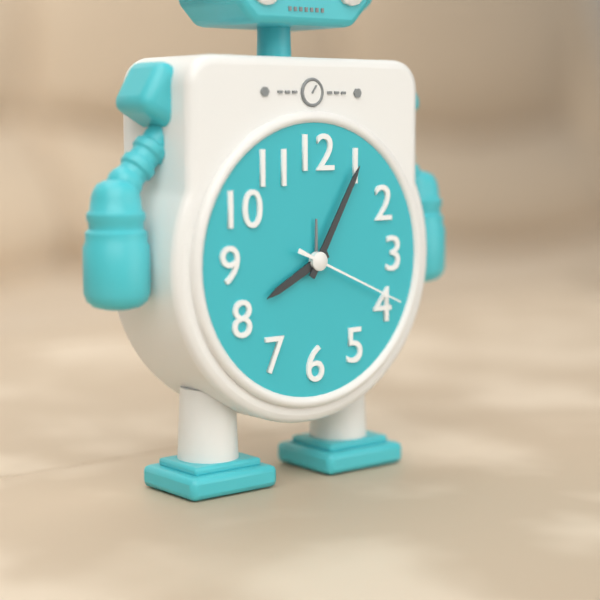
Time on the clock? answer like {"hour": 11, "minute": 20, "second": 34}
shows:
{"hour": 8, "minute": 5, "second": 19}
